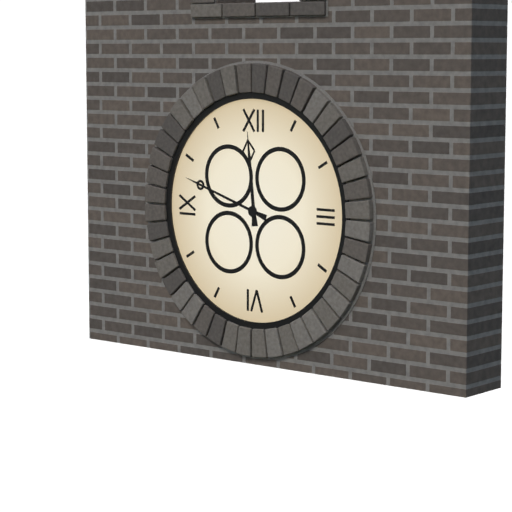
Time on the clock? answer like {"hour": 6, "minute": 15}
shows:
{"hour": 11, "minute": 48}
